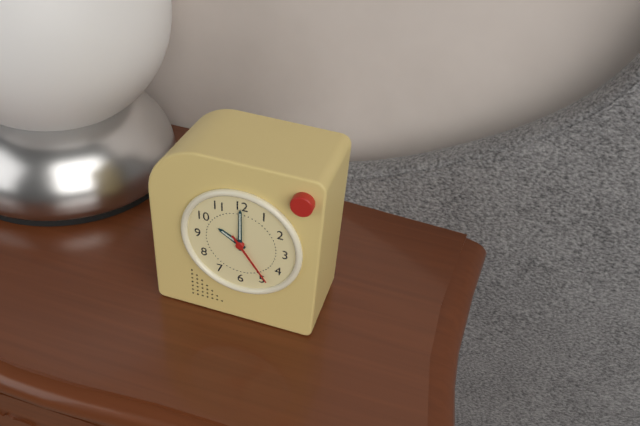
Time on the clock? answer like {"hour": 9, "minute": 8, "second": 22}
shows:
{"hour": 10, "minute": 0, "second": 24}
